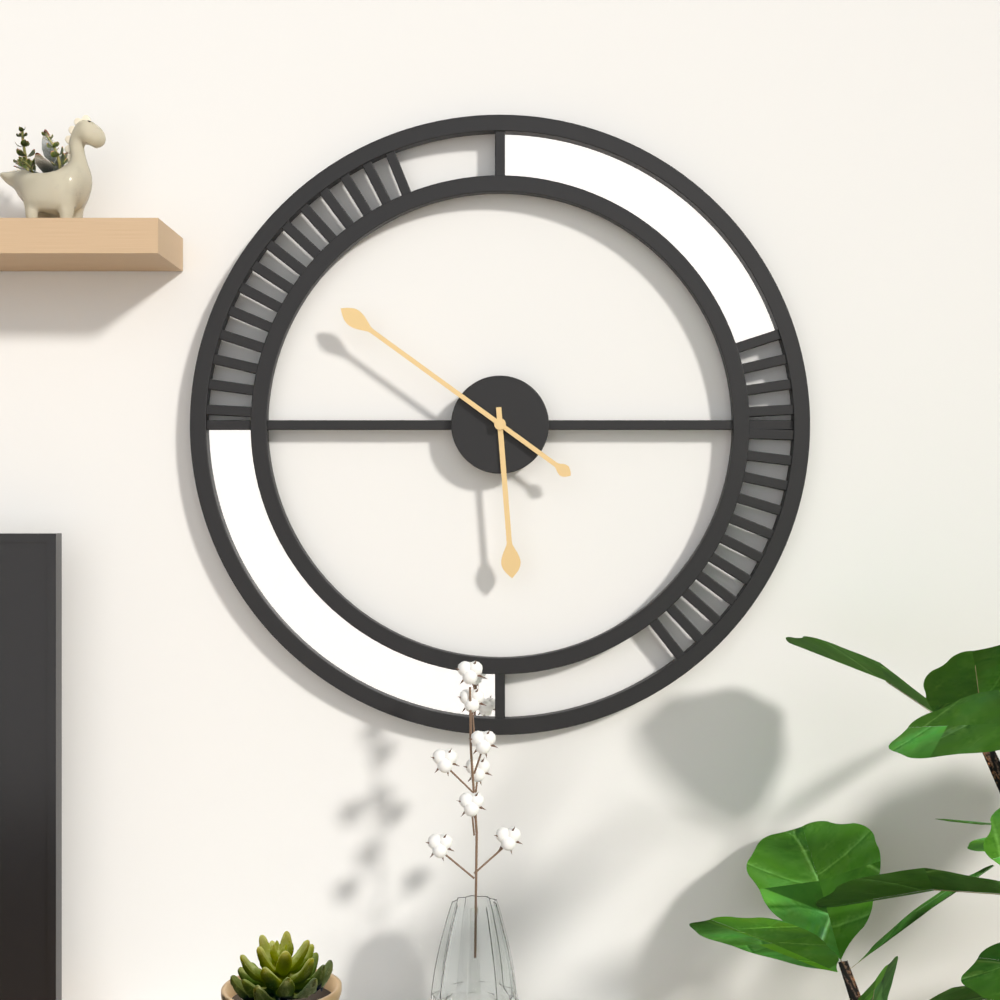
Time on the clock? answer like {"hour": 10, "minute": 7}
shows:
{"hour": 5, "minute": 51}
